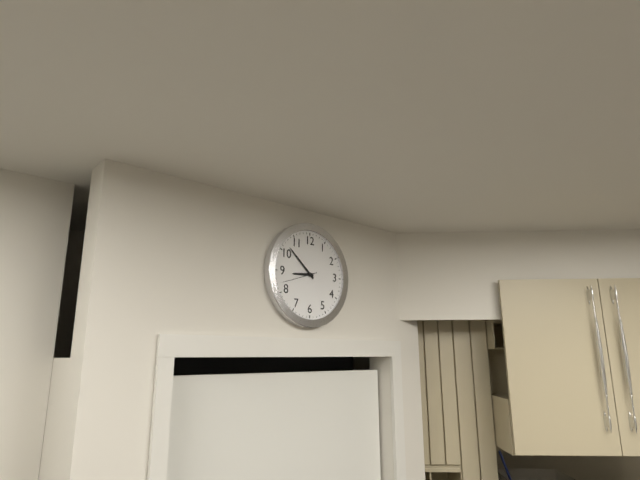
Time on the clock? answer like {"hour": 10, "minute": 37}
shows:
{"hour": 8, "minute": 52}
